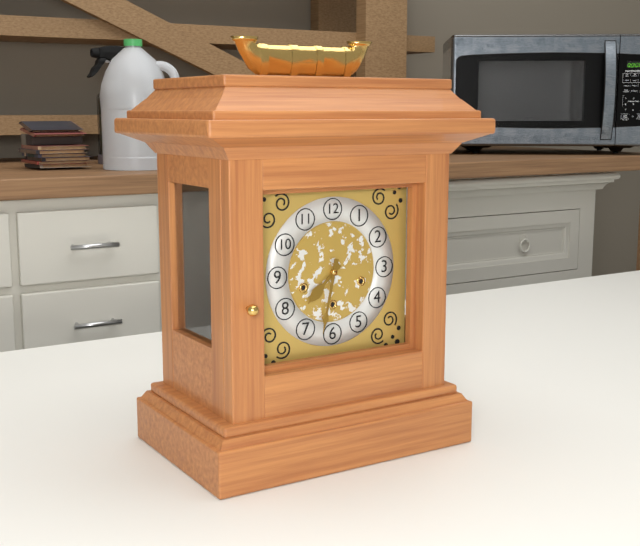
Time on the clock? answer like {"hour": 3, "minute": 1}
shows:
{"hour": 7, "minute": 32}
